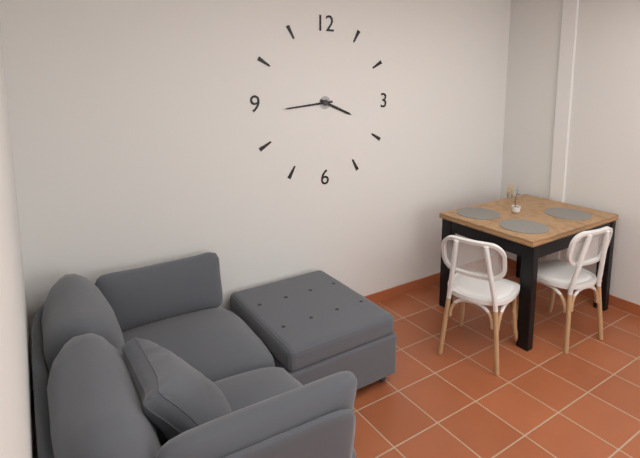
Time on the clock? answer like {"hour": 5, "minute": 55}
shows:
{"hour": 3, "minute": 44}
